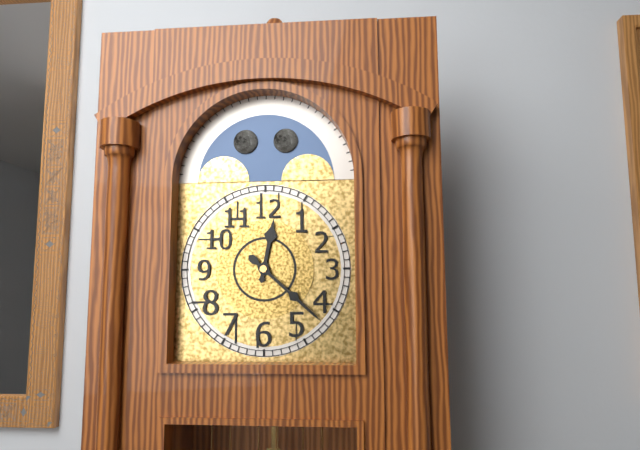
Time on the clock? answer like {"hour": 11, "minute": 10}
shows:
{"hour": 12, "minute": 22}
